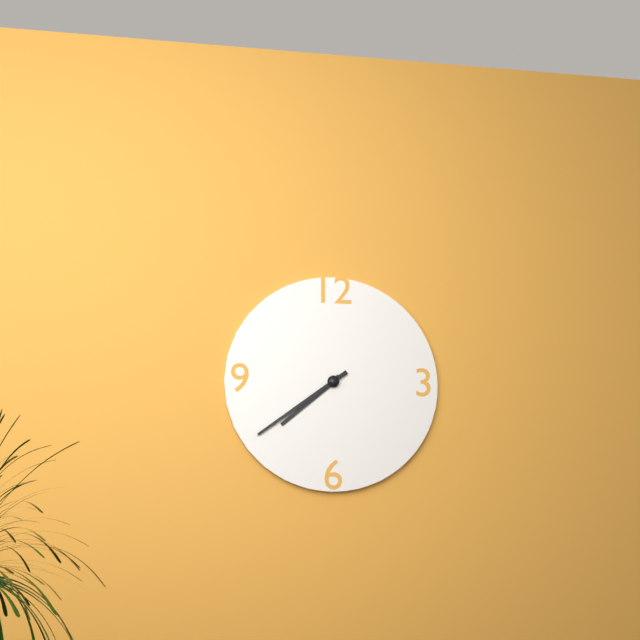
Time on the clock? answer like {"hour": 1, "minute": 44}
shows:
{"hour": 7, "minute": 39}
